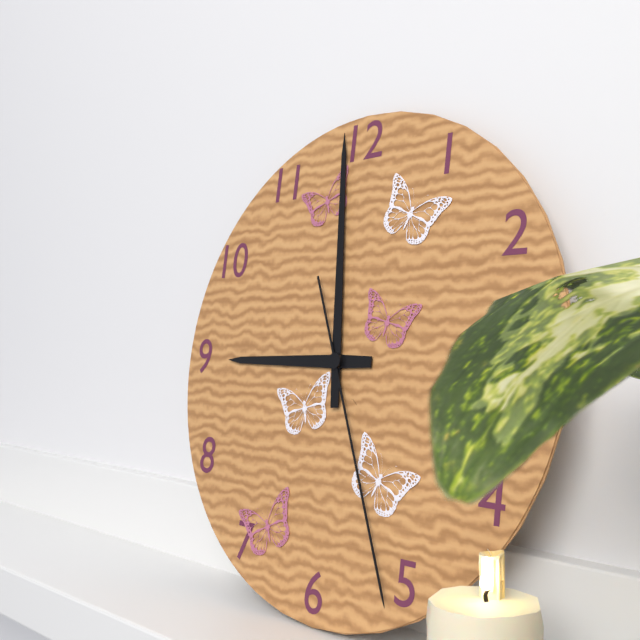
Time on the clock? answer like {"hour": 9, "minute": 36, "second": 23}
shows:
{"hour": 8, "minute": 59, "second": 26}
